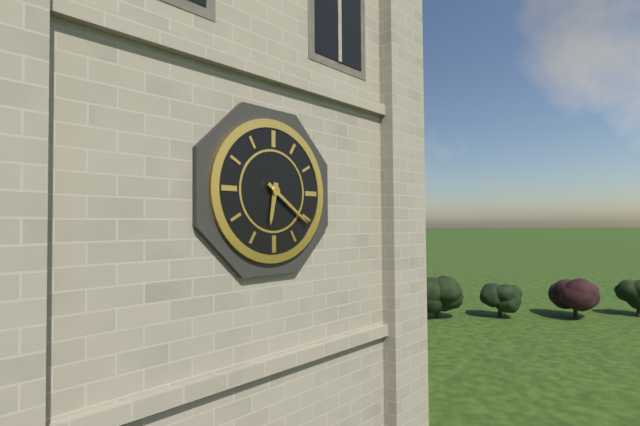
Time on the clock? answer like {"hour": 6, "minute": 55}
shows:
{"hour": 6, "minute": 21}
